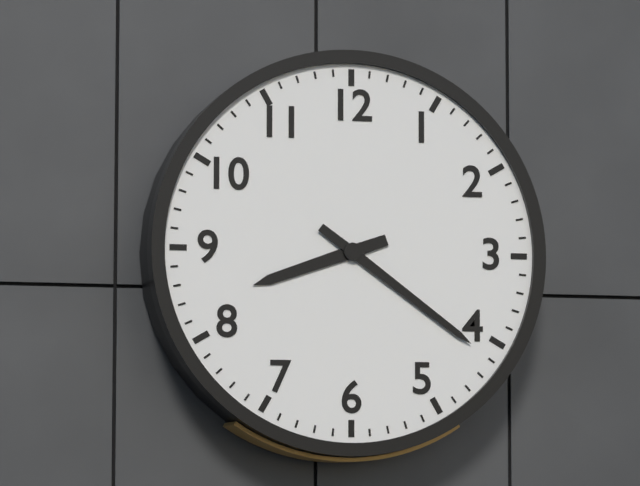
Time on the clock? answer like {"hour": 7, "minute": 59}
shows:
{"hour": 8, "minute": 21}
